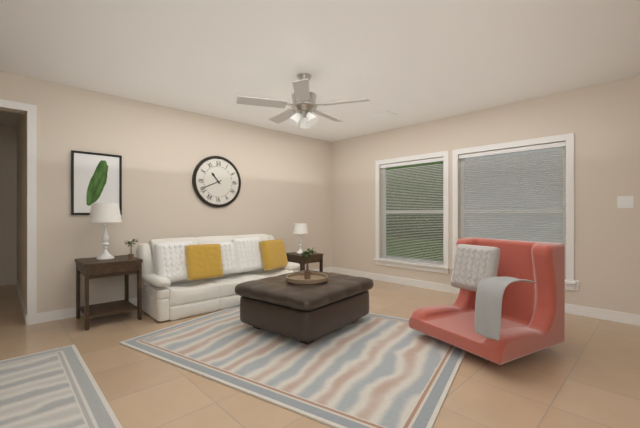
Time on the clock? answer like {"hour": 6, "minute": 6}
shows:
{"hour": 10, "minute": 41}
